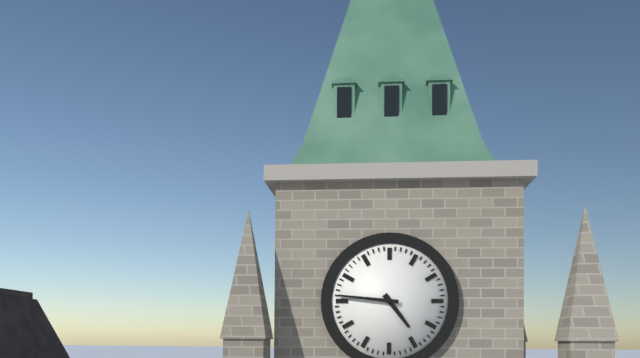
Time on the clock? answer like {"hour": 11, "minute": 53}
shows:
{"hour": 4, "minute": 46}
